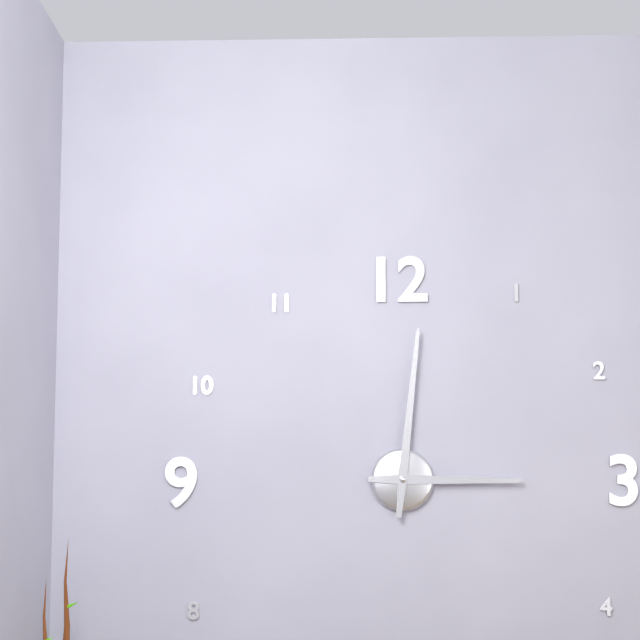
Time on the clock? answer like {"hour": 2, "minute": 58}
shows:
{"hour": 3, "minute": 1}
